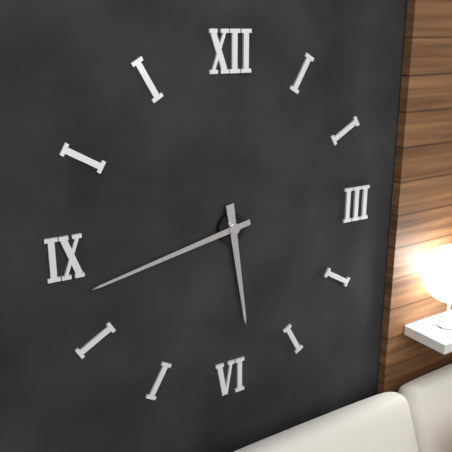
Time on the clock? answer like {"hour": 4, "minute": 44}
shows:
{"hour": 5, "minute": 43}
